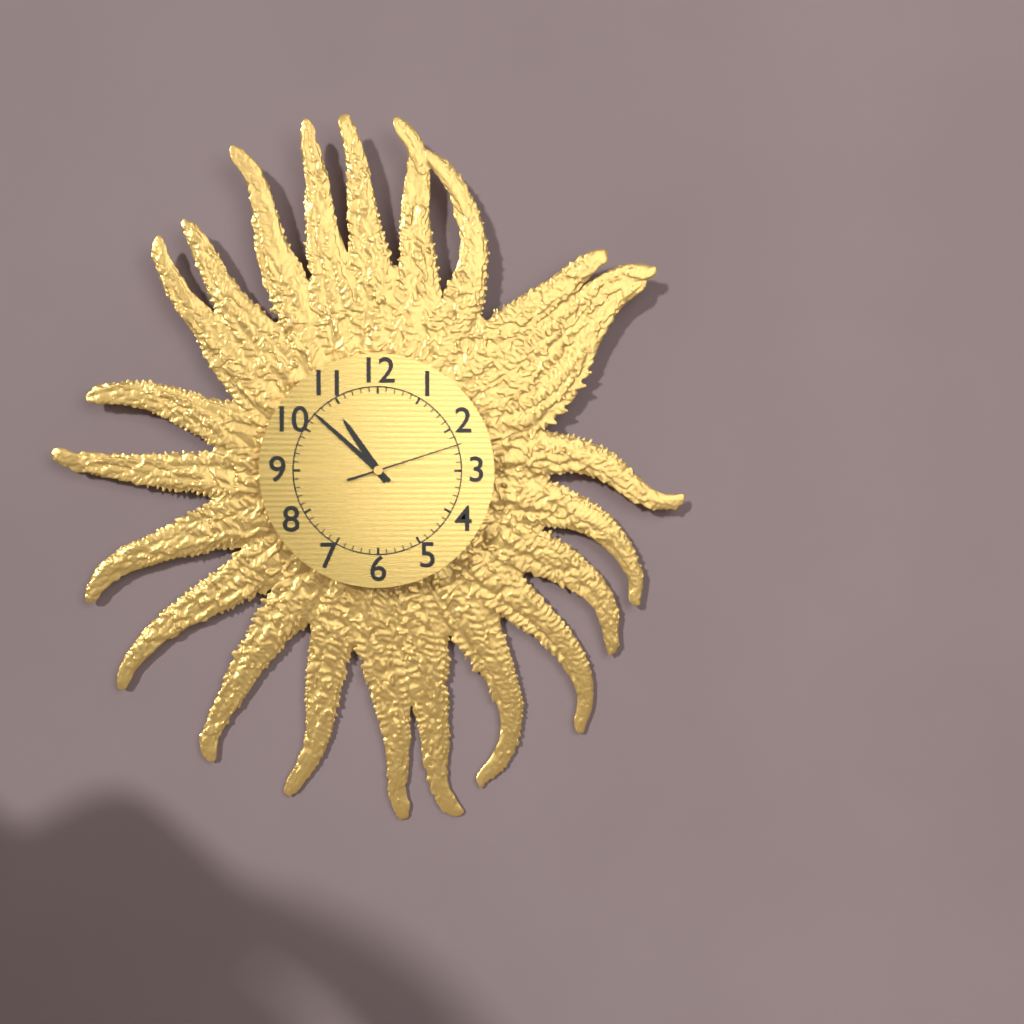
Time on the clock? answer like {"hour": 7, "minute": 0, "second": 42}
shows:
{"hour": 10, "minute": 52, "second": 12}
